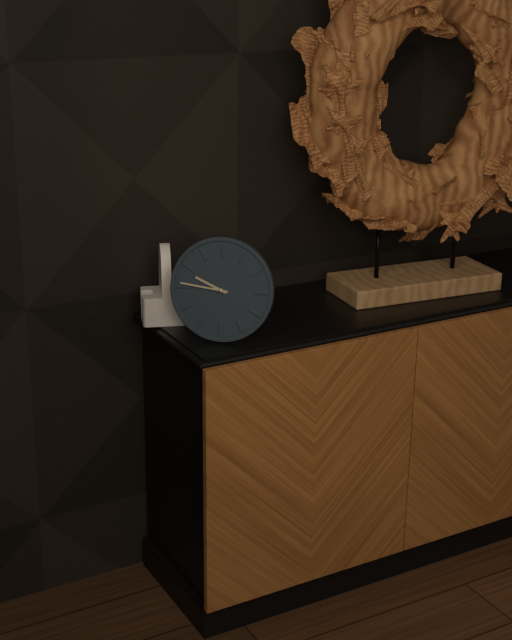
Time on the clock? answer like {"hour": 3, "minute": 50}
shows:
{"hour": 9, "minute": 46}
